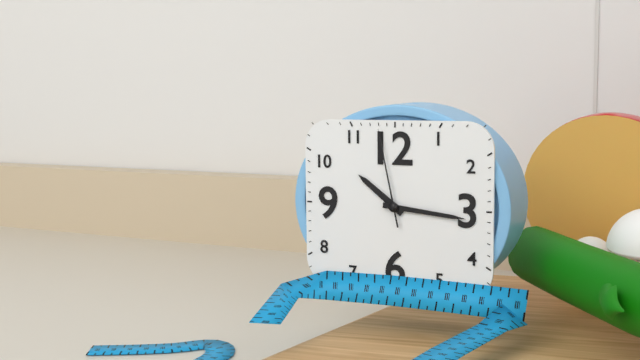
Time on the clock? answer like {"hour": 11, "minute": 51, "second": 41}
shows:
{"hour": 10, "minute": 16, "second": 58}
